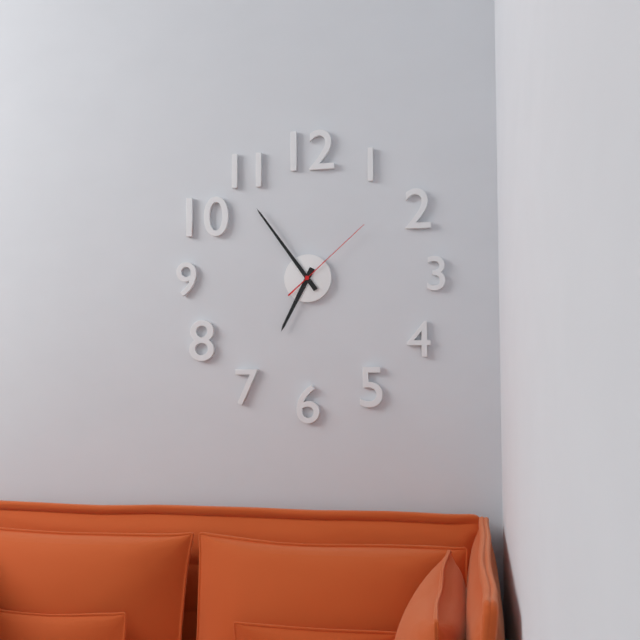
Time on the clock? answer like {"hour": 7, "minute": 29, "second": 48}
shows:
{"hour": 6, "minute": 54, "second": 8}
